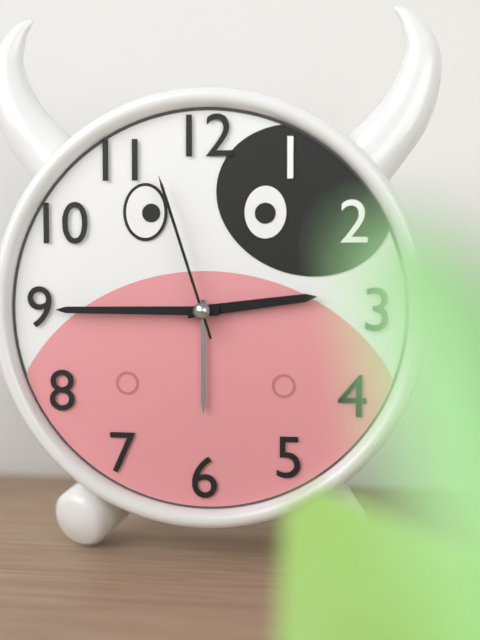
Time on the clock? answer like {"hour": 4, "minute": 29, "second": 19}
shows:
{"hour": 2, "minute": 45, "second": 57}
